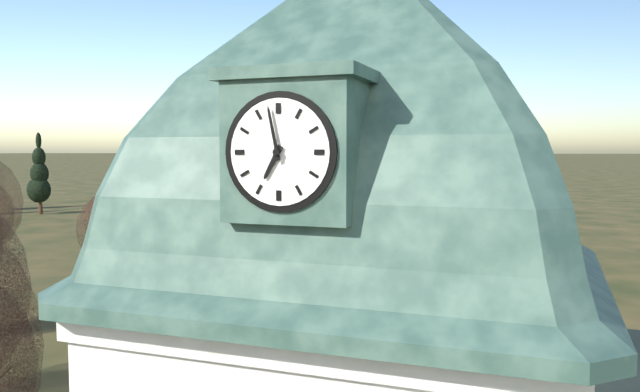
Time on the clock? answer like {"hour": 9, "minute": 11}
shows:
{"hour": 6, "minute": 58}
